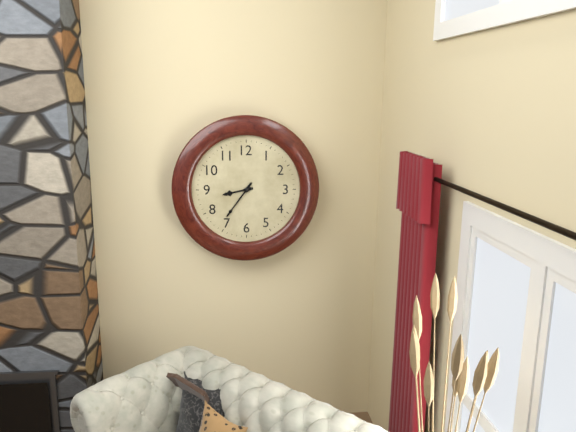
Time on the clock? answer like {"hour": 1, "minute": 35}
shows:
{"hour": 8, "minute": 36}
